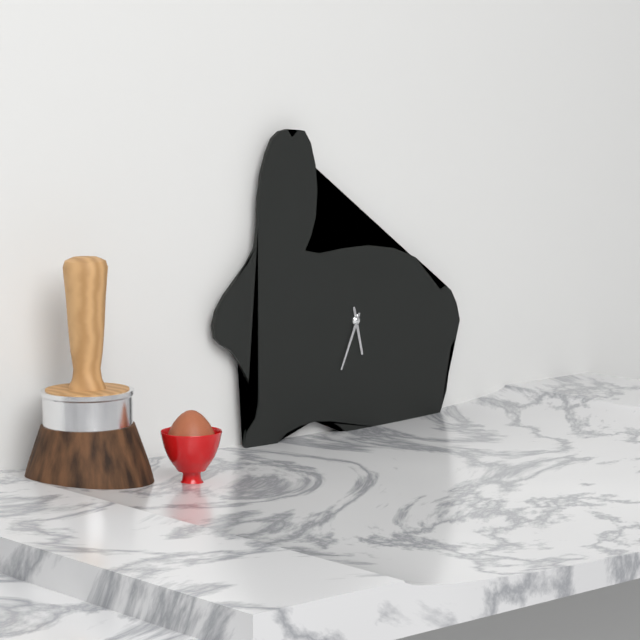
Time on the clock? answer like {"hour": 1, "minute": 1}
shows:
{"hour": 5, "minute": 34}
